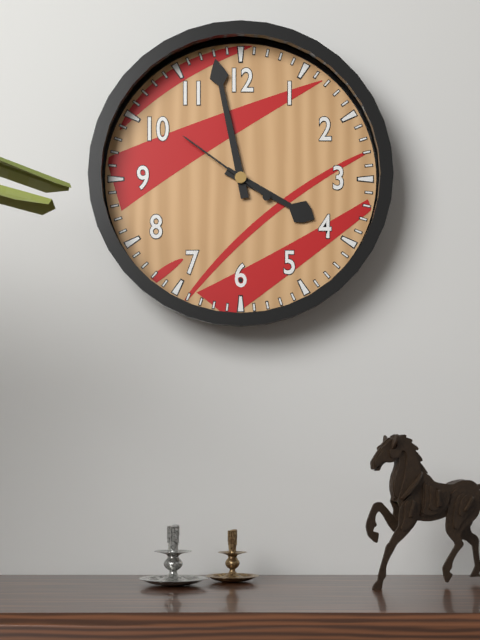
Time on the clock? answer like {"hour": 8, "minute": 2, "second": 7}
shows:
{"hour": 3, "minute": 58, "second": 51}
